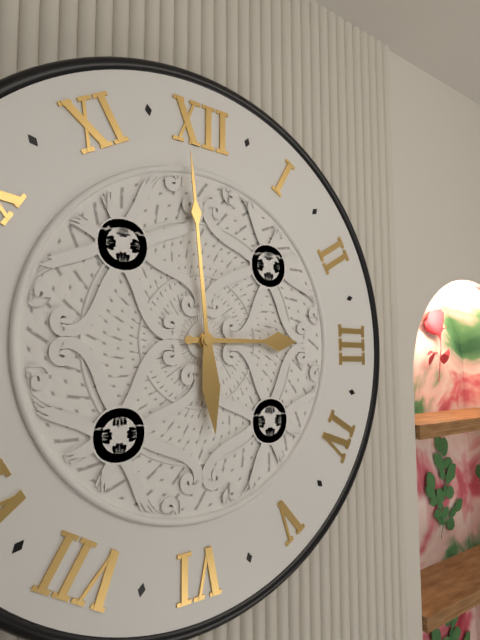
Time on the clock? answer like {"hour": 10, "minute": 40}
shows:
{"hour": 2, "minute": 59}
